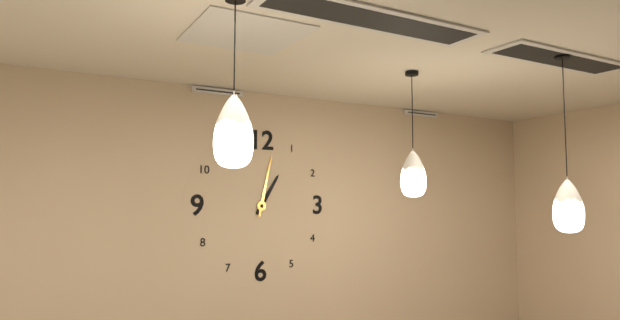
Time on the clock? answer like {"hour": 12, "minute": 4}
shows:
{"hour": 1, "minute": 2}
